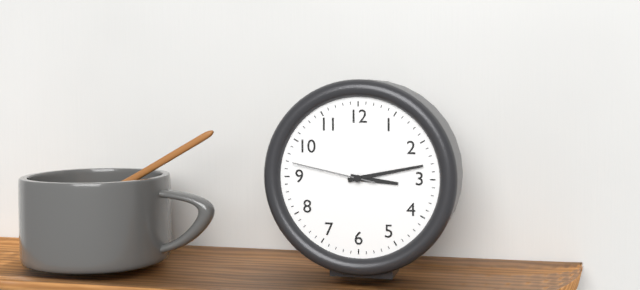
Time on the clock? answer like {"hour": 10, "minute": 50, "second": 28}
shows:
{"hour": 3, "minute": 13, "second": 47}
